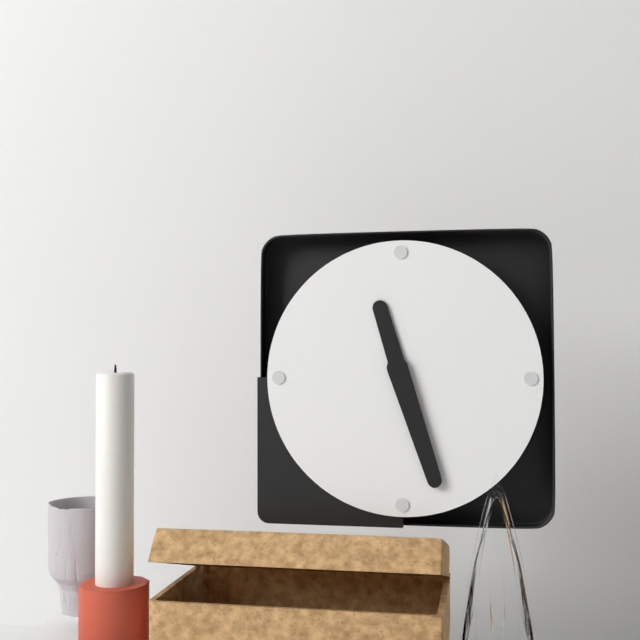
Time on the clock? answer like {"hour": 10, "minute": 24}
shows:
{"hour": 11, "minute": 27}
